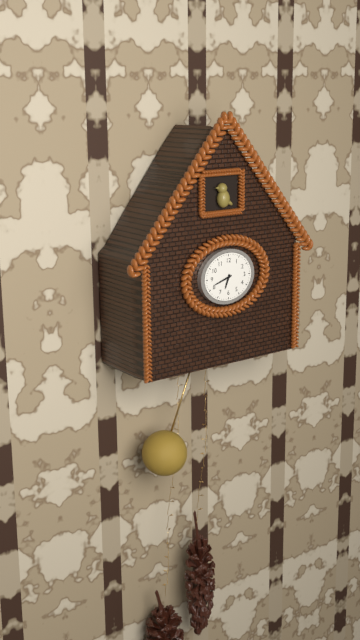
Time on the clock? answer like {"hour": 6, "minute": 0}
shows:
{"hour": 6, "minute": 42}
